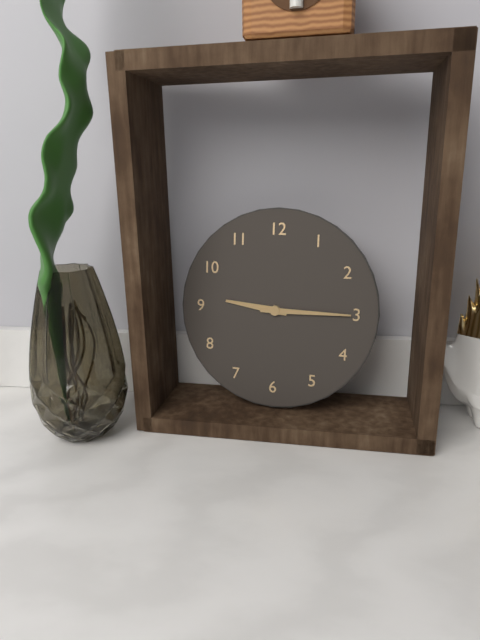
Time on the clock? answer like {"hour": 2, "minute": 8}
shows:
{"hour": 9, "minute": 15}
